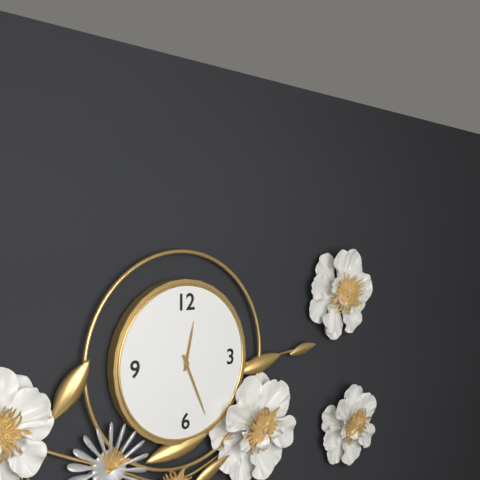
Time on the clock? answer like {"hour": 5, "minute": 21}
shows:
{"hour": 12, "minute": 26}
